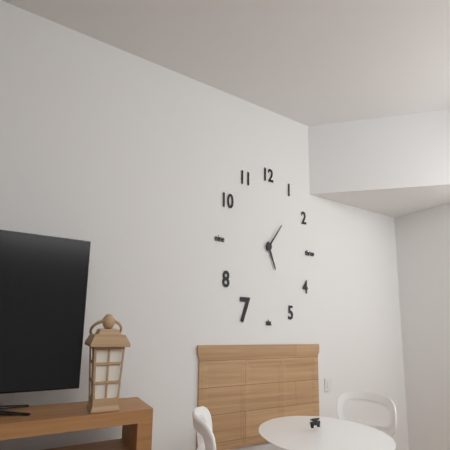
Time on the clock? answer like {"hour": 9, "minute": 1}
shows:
{"hour": 5, "minute": 7}
